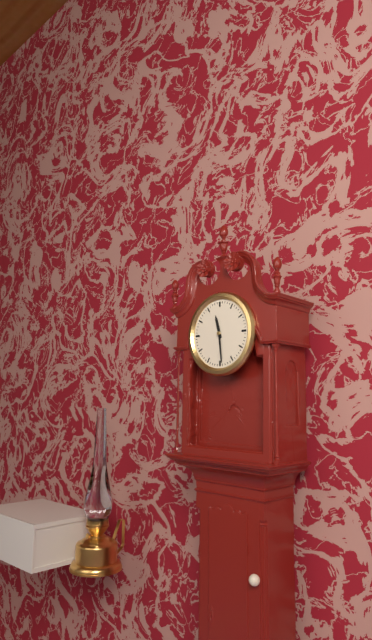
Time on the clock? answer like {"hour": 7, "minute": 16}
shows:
{"hour": 11, "minute": 29}
